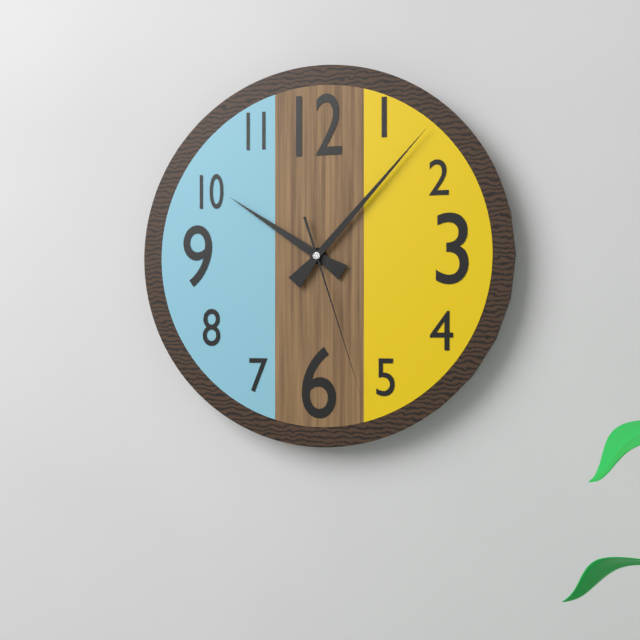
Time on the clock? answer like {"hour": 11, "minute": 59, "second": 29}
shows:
{"hour": 10, "minute": 7, "second": 27}
